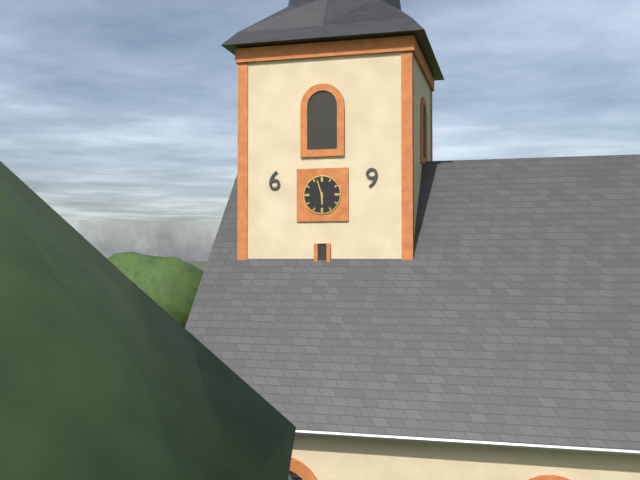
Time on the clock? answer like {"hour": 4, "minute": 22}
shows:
{"hour": 5, "minute": 57}
